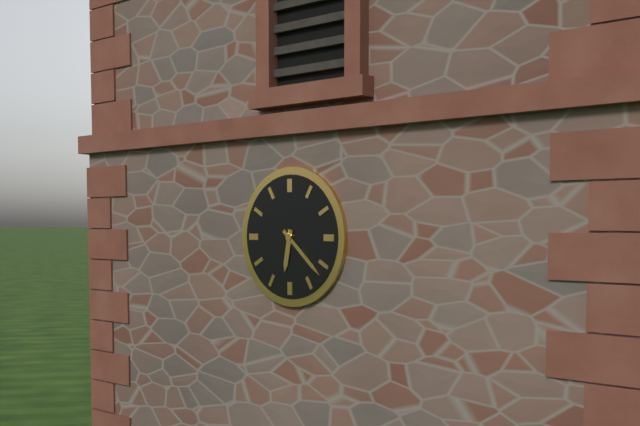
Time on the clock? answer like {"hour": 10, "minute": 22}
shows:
{"hour": 6, "minute": 22}
